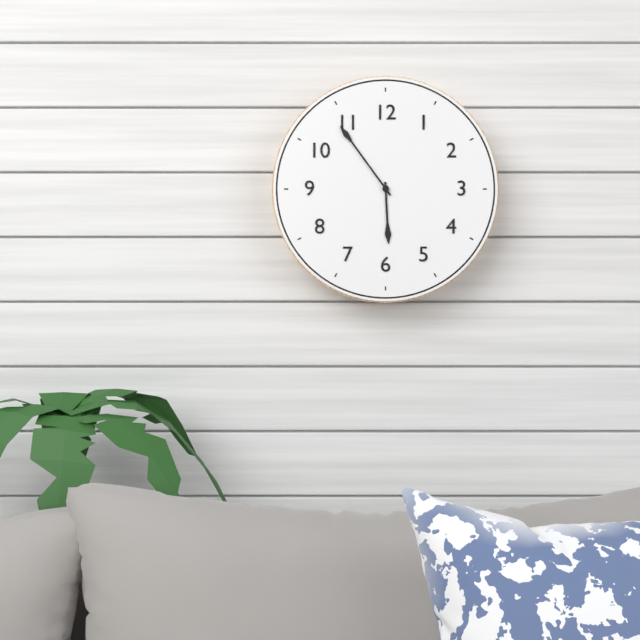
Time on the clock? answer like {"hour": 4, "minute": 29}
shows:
{"hour": 5, "minute": 54}
